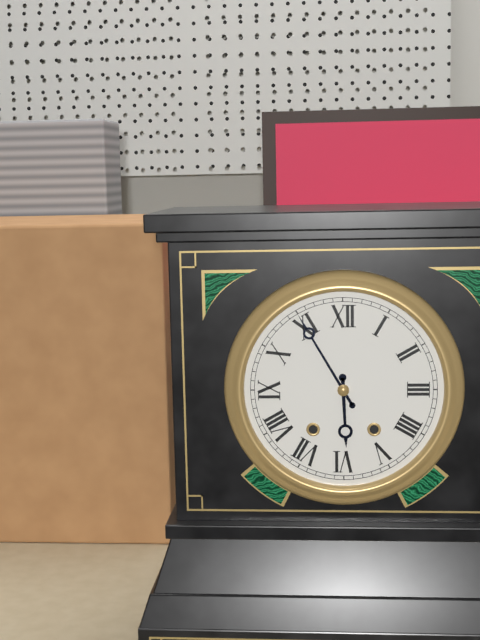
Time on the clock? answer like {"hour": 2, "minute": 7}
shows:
{"hour": 5, "minute": 55}
